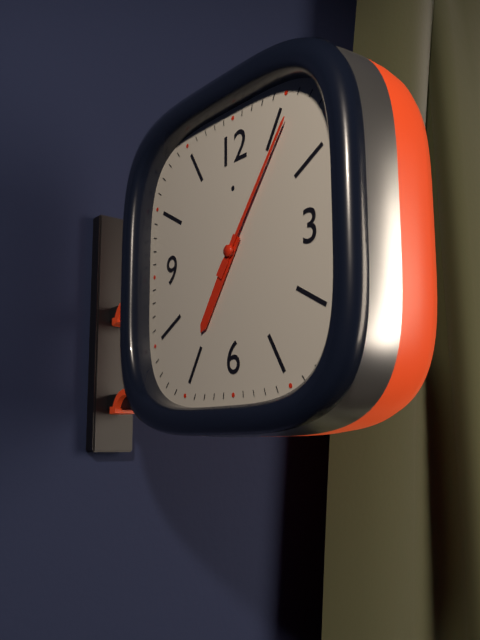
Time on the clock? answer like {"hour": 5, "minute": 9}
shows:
{"hour": 7, "minute": 6}
